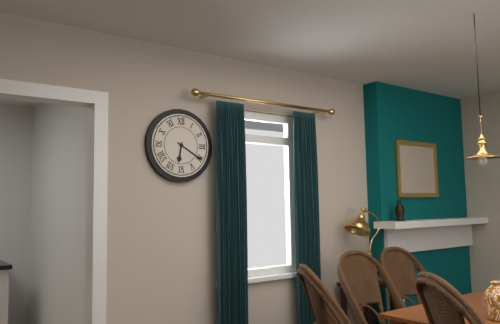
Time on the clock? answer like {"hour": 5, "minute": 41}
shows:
{"hour": 6, "minute": 20}
